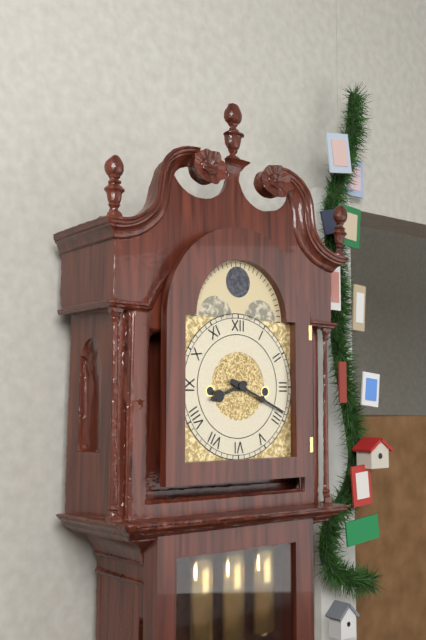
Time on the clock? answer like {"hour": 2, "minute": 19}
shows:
{"hour": 8, "minute": 19}
